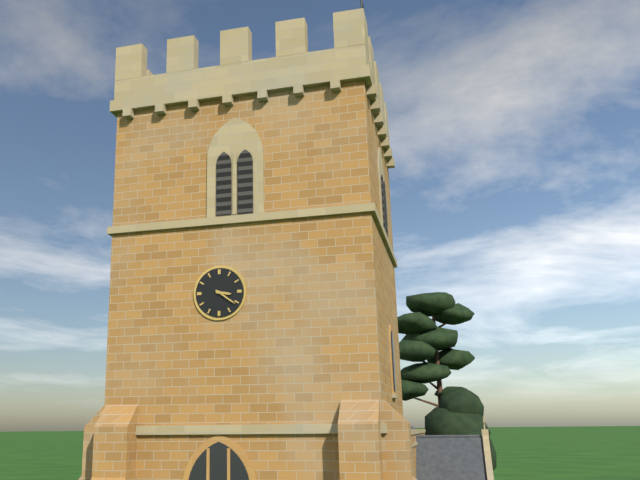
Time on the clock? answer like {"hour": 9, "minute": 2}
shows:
{"hour": 3, "minute": 21}
